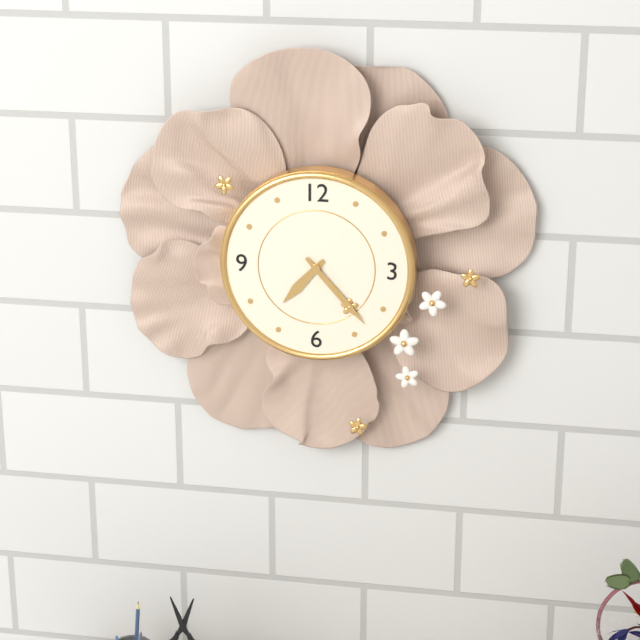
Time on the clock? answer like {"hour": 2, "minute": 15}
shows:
{"hour": 7, "minute": 23}
